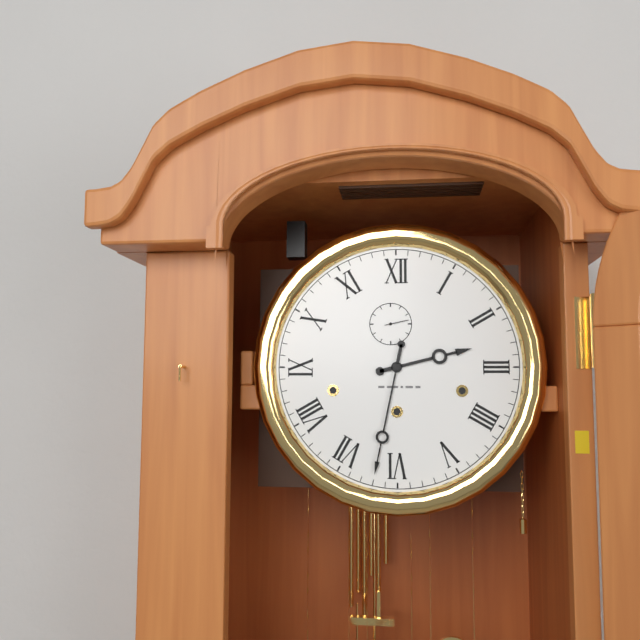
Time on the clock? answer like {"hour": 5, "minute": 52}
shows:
{"hour": 2, "minute": 32}
